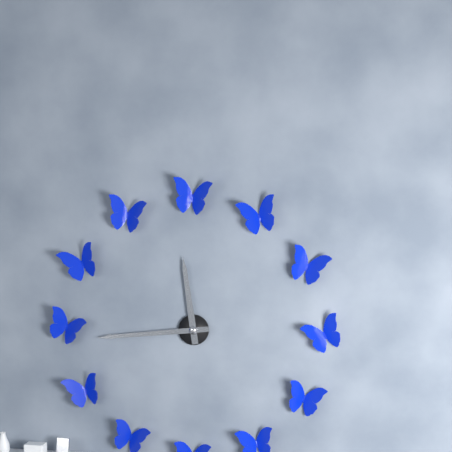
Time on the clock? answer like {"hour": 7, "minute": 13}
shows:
{"hour": 11, "minute": 44}
